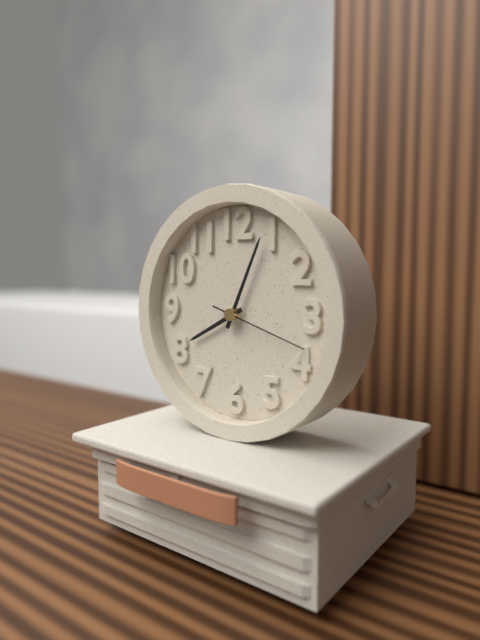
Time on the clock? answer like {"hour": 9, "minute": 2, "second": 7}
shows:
{"hour": 8, "minute": 4, "second": 18}
